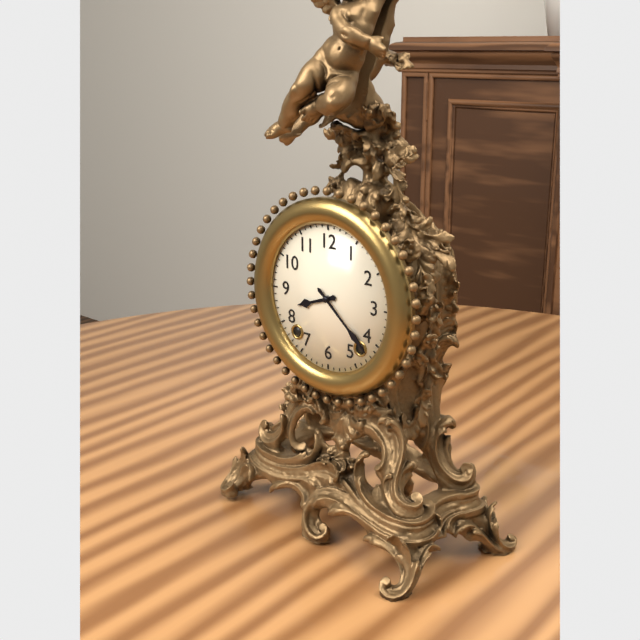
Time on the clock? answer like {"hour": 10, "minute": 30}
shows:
{"hour": 8, "minute": 22}
